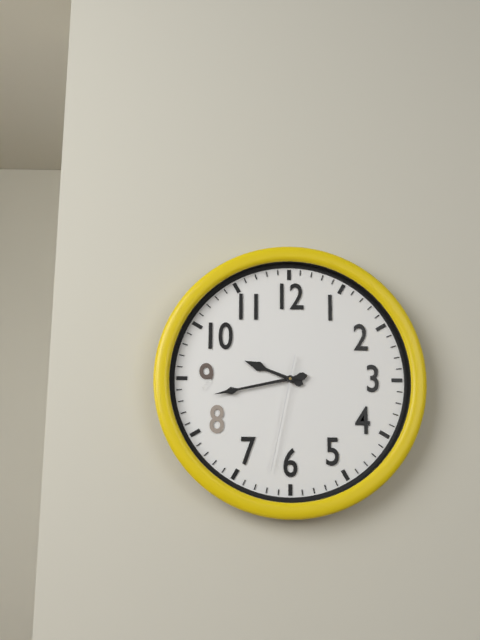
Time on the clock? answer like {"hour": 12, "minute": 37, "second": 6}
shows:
{"hour": 9, "minute": 43, "second": 32}
